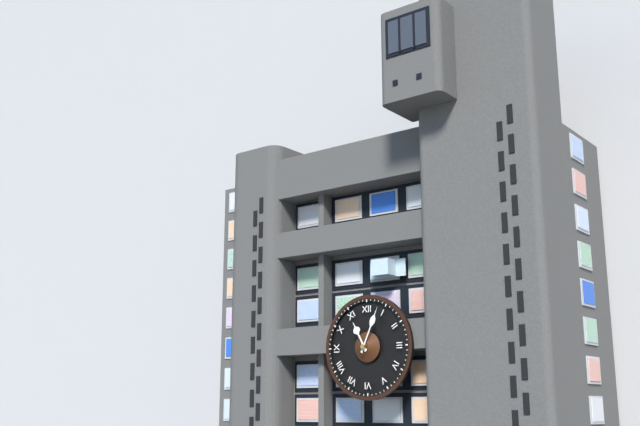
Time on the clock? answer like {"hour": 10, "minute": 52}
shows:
{"hour": 11, "minute": 4}
